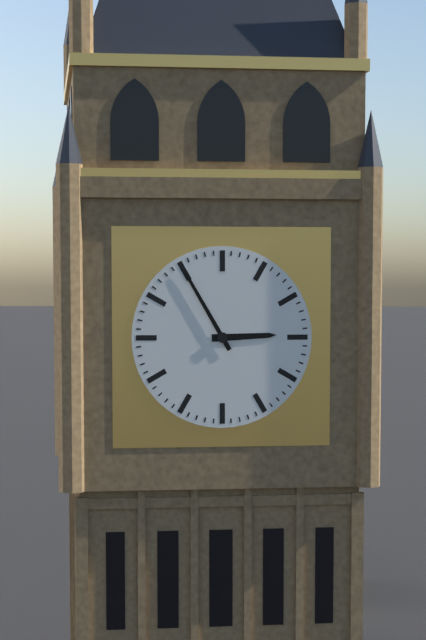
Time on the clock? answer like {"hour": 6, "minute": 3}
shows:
{"hour": 2, "minute": 55}
